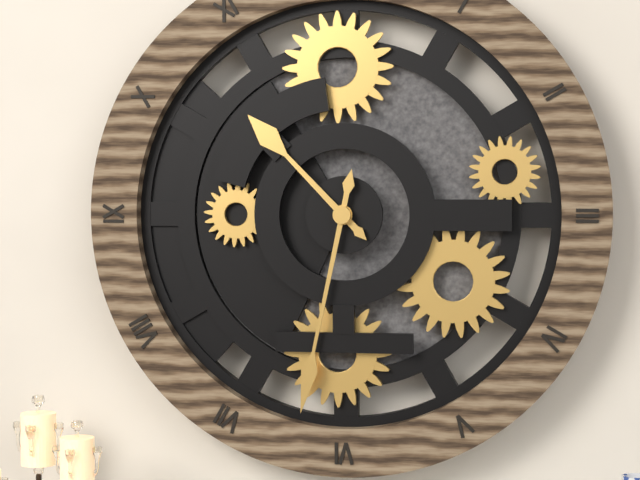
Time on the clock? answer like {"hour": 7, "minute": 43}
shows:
{"hour": 10, "minute": 32}
